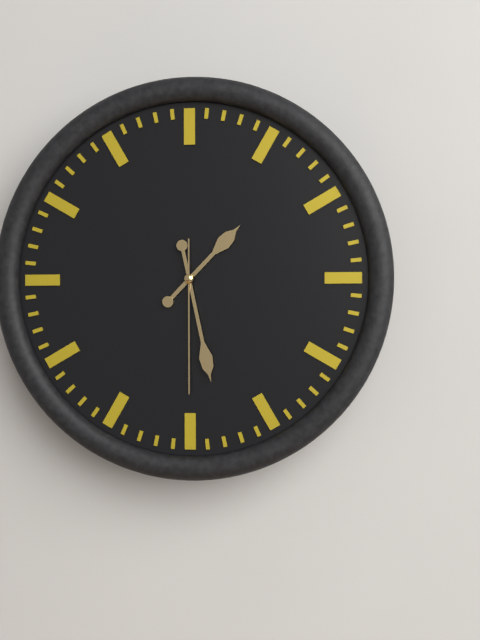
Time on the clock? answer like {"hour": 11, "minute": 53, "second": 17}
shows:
{"hour": 1, "minute": 28, "second": 30}
